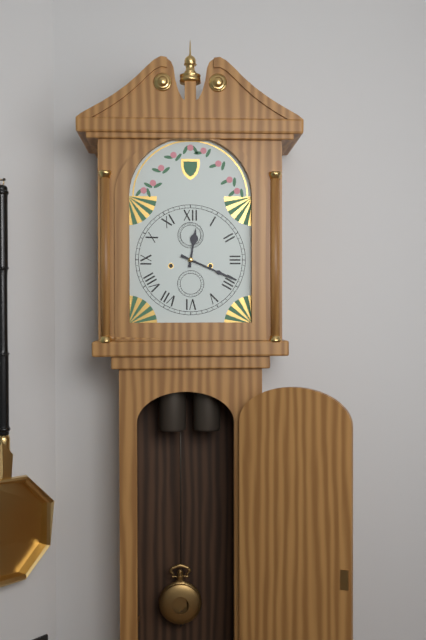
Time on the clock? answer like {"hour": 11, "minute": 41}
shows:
{"hour": 12, "minute": 19}
